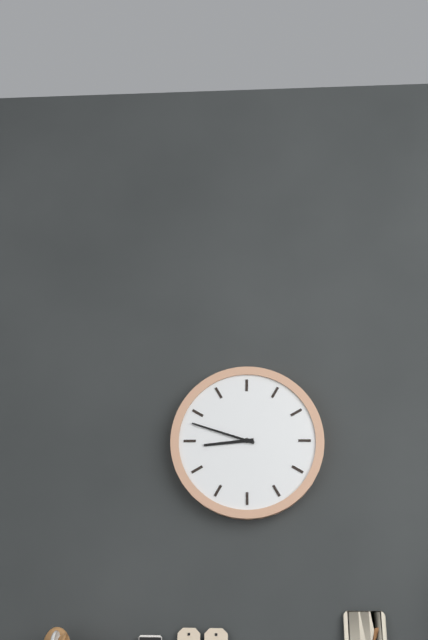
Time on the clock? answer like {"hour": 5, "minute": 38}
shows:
{"hour": 8, "minute": 48}
